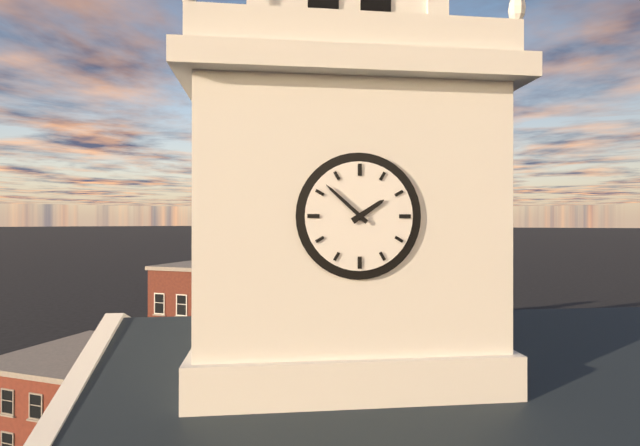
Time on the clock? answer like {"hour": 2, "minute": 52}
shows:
{"hour": 1, "minute": 52}
